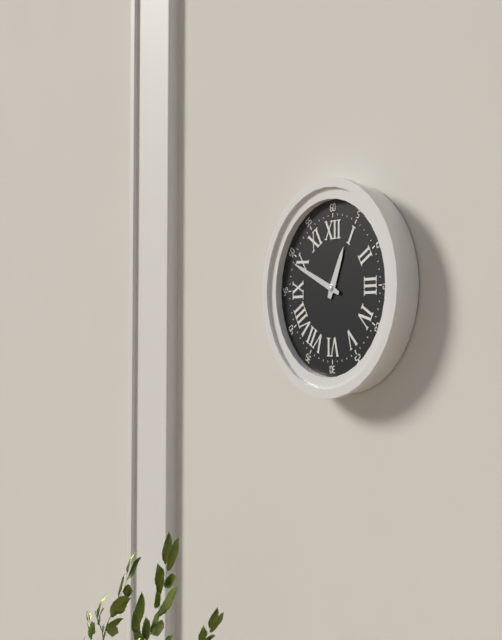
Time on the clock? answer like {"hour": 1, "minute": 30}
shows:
{"hour": 12, "minute": 49}
